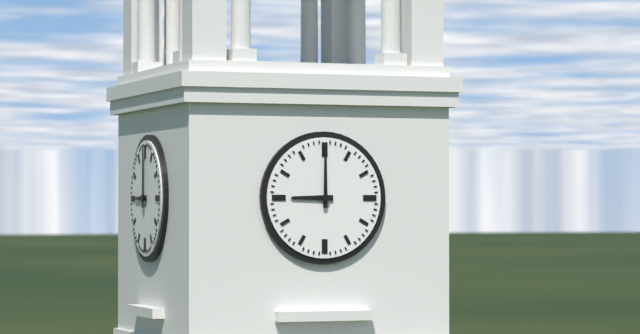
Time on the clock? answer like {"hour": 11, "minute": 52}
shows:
{"hour": 9, "minute": 0}
